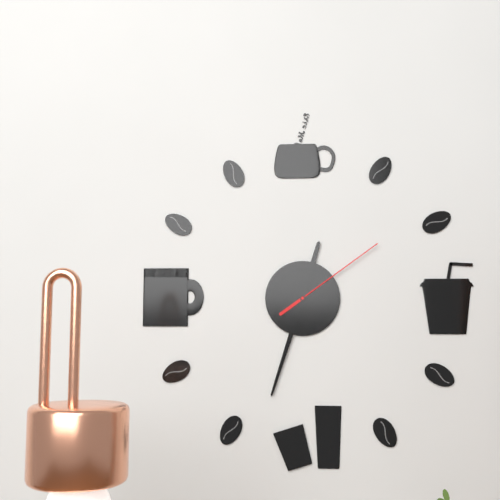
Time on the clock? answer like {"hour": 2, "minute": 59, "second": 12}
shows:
{"hour": 12, "minute": 33, "second": 9}
